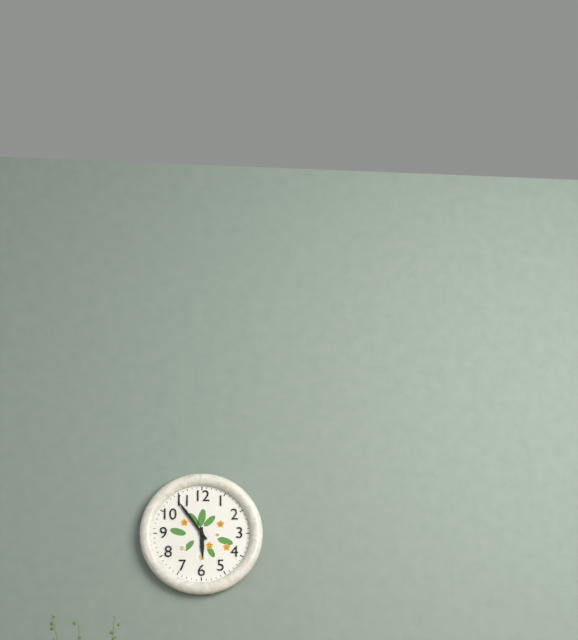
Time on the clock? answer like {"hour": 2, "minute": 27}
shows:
{"hour": 5, "minute": 54}
